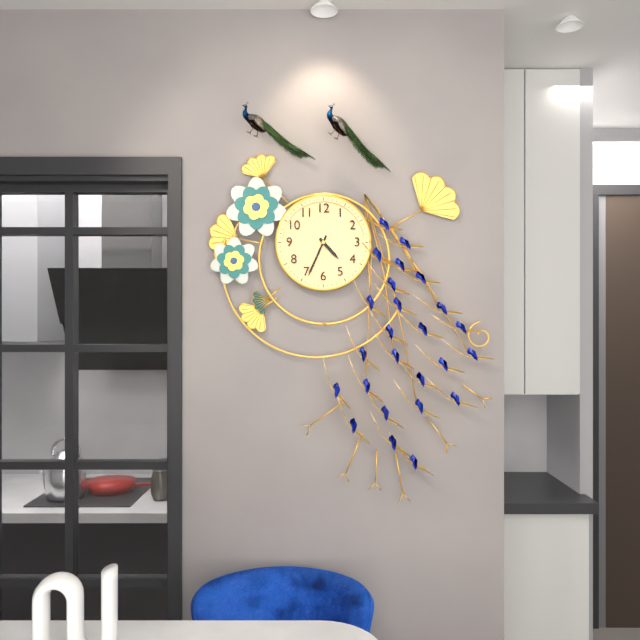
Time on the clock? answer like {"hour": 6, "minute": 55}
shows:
{"hour": 4, "minute": 34}
